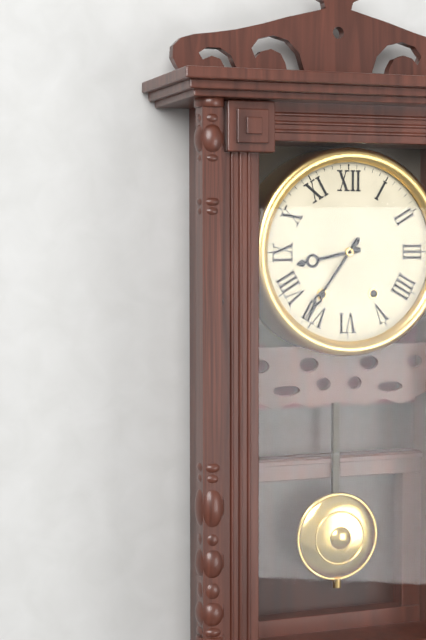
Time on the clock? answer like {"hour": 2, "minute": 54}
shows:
{"hour": 8, "minute": 36}
